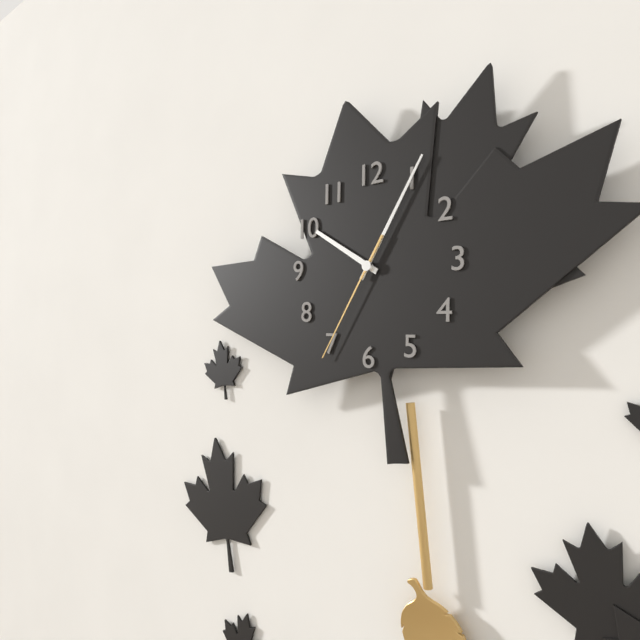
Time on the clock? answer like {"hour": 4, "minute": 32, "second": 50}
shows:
{"hour": 10, "minute": 5, "second": 35}
